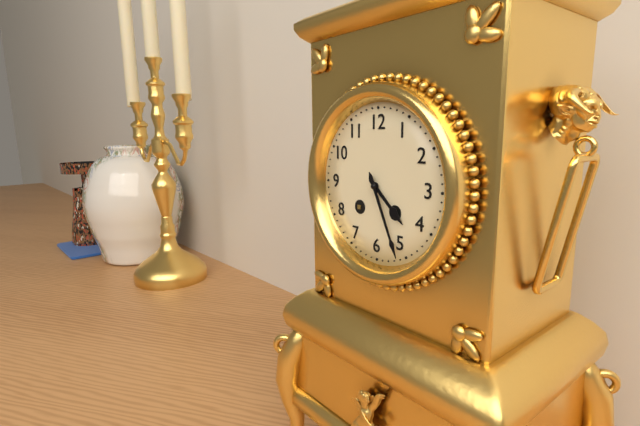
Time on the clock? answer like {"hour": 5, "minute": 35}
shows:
{"hour": 4, "minute": 26}
